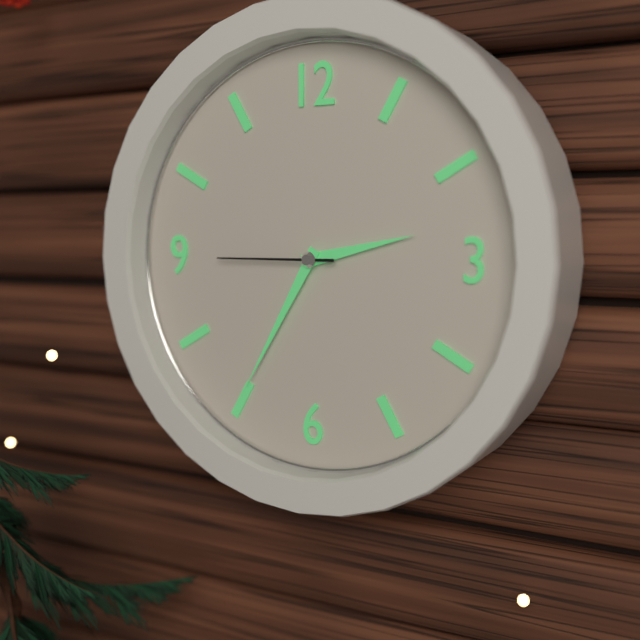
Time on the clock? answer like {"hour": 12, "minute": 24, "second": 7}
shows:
{"hour": 2, "minute": 35, "second": 45}
